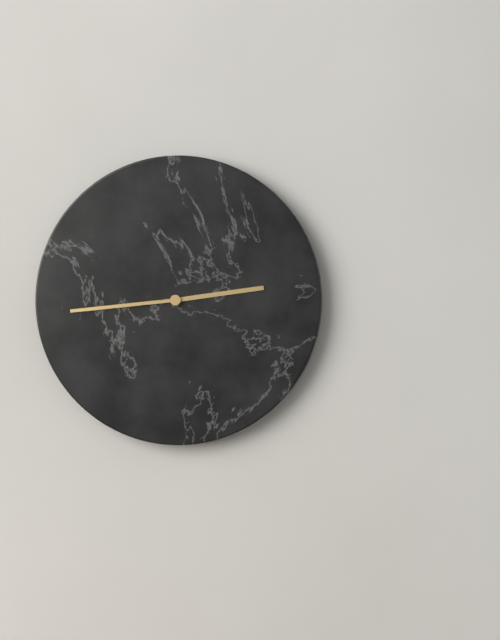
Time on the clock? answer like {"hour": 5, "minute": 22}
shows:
{"hour": 2, "minute": 44}
